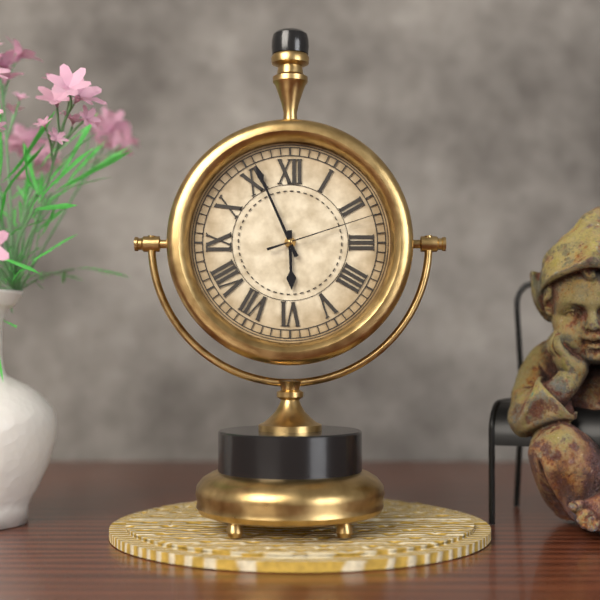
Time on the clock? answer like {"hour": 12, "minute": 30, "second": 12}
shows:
{"hour": 5, "minute": 56, "second": 12}
